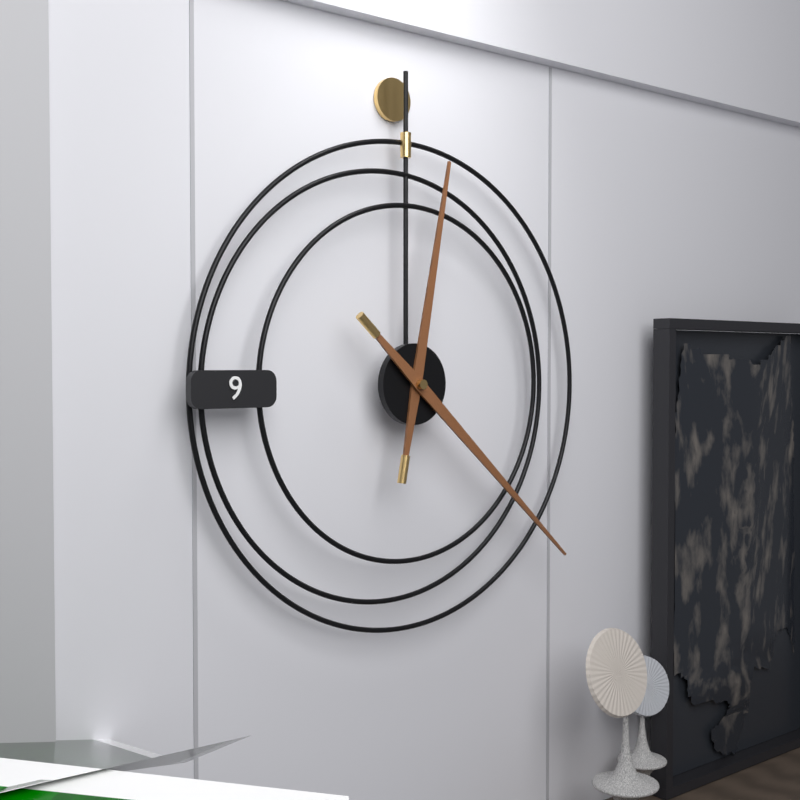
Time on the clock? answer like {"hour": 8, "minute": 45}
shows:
{"hour": 12, "minute": 22}
